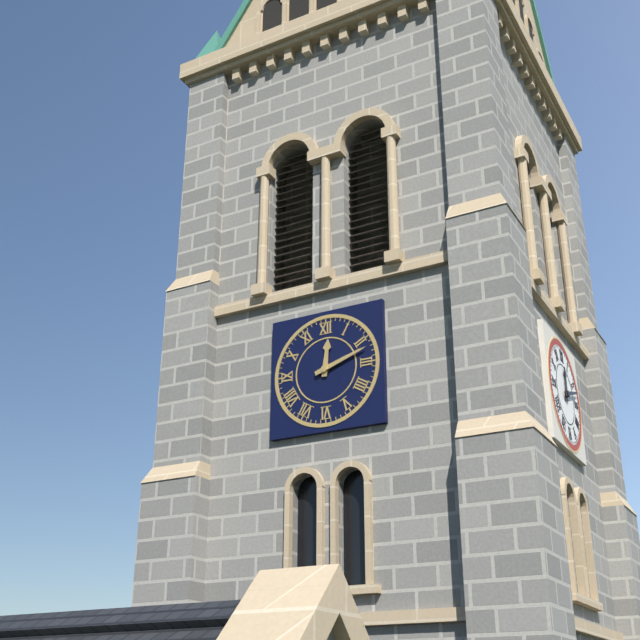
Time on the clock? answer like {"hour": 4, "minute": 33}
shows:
{"hour": 12, "minute": 12}
